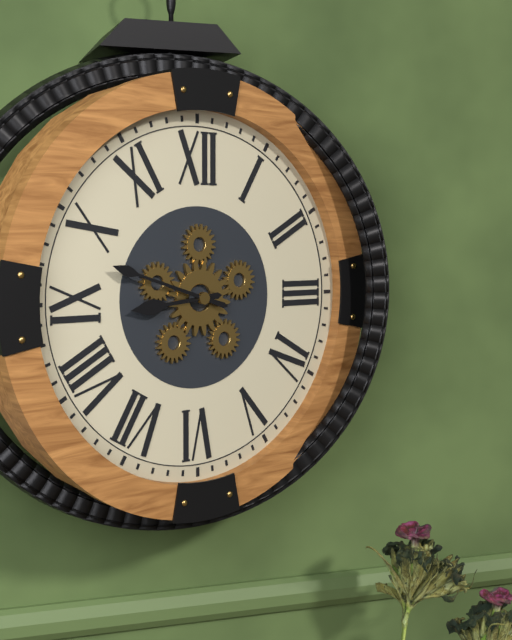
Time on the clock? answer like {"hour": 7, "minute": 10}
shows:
{"hour": 8, "minute": 48}
